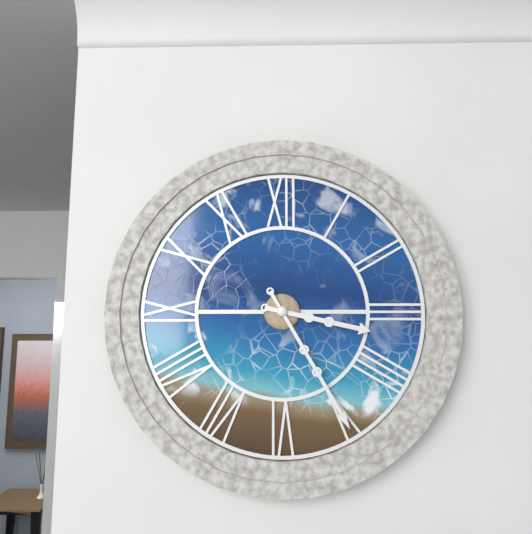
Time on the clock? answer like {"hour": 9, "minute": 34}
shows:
{"hour": 3, "minute": 25}
